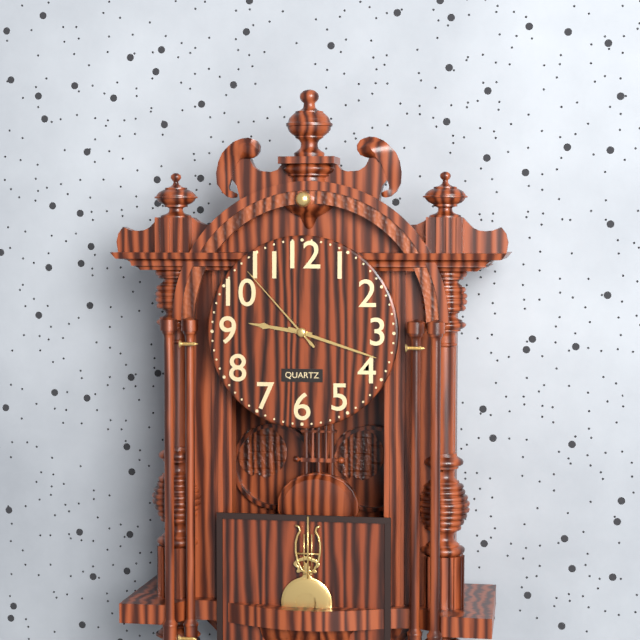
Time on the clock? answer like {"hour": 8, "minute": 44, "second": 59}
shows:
{"hour": 9, "minute": 18, "second": 53}
